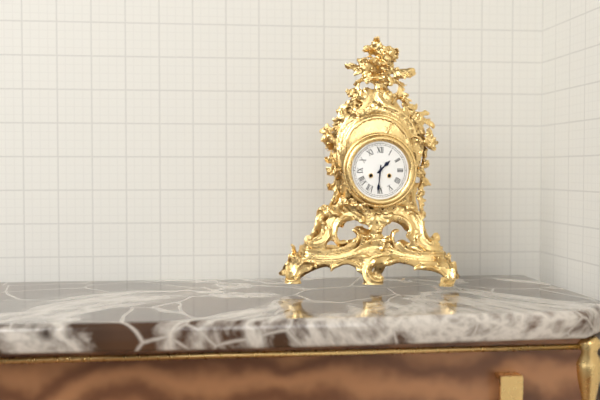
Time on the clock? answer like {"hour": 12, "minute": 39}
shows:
{"hour": 1, "minute": 31}
